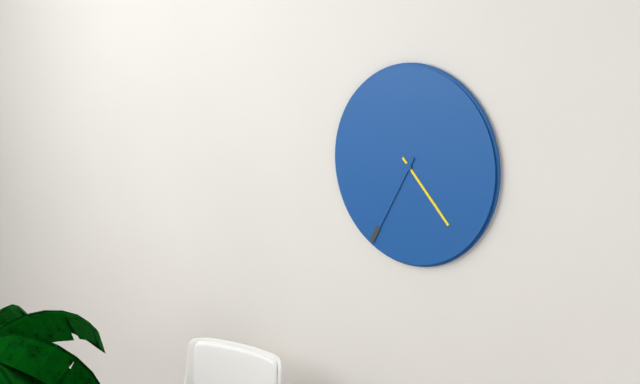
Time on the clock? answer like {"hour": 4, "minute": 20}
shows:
{"hour": 4, "minute": 35}
